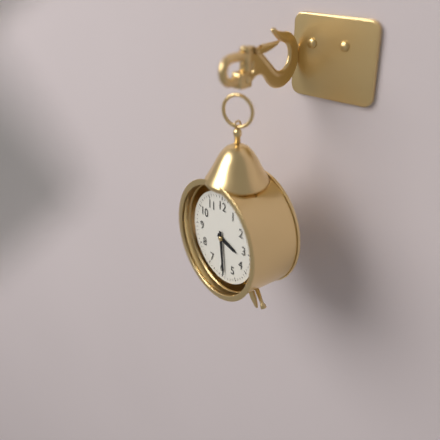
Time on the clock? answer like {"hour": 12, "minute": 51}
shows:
{"hour": 3, "minute": 29}
